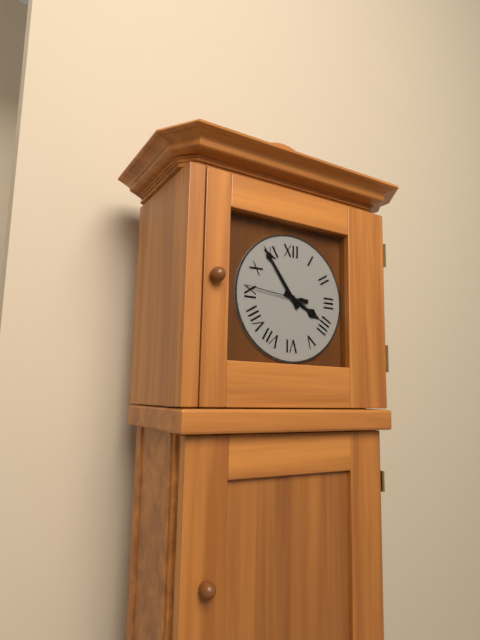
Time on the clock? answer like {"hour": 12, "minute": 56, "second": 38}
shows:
{"hour": 3, "minute": 54, "second": 46}
